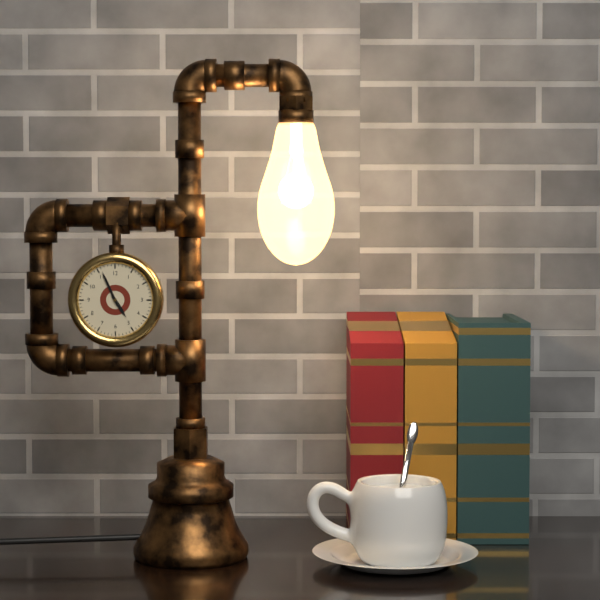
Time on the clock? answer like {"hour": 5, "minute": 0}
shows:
{"hour": 4, "minute": 56}
